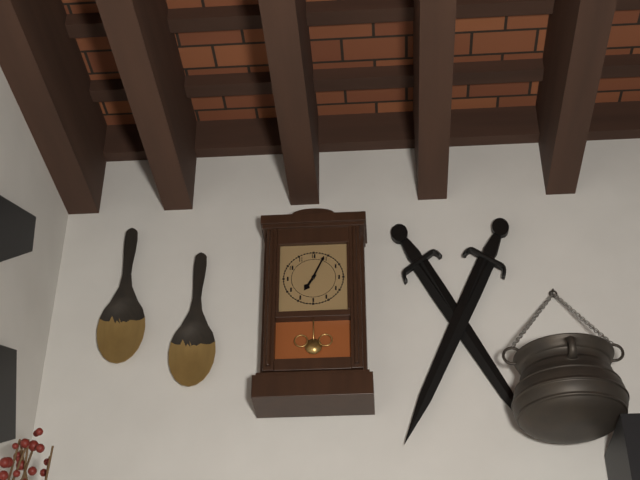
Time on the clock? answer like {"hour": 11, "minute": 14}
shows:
{"hour": 7, "minute": 4}
